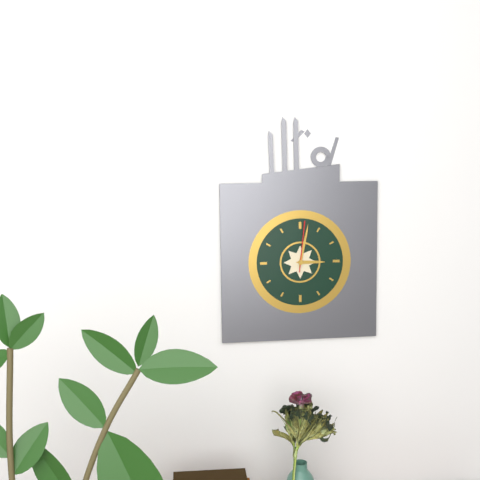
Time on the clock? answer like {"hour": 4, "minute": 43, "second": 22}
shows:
{"hour": 3, "minute": 2, "second": 1}
